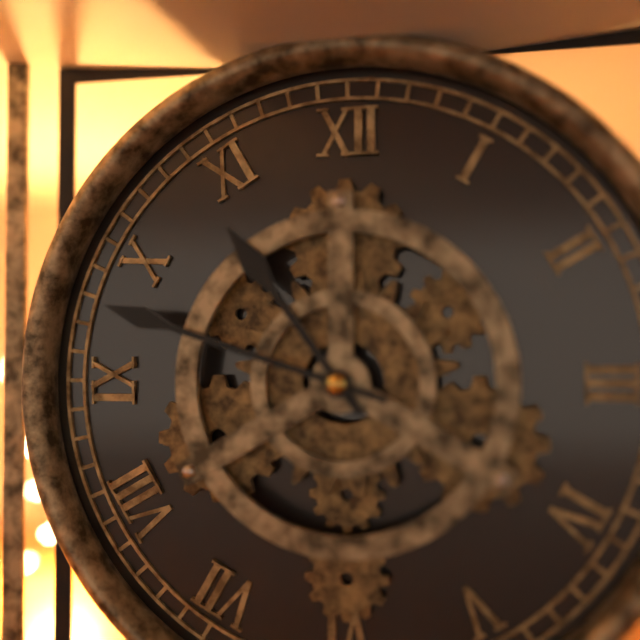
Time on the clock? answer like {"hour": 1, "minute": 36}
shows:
{"hour": 10, "minute": 48}
